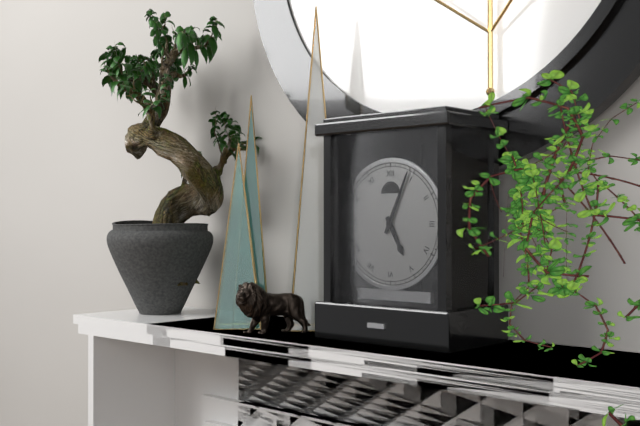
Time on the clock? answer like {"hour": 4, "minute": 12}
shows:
{"hour": 5, "minute": 4}
